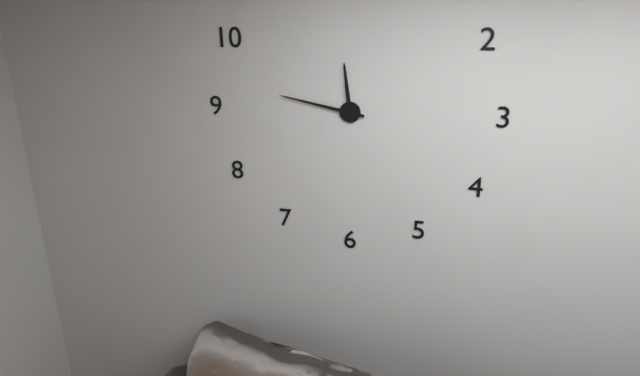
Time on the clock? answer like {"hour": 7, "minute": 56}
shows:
{"hour": 11, "minute": 47}
